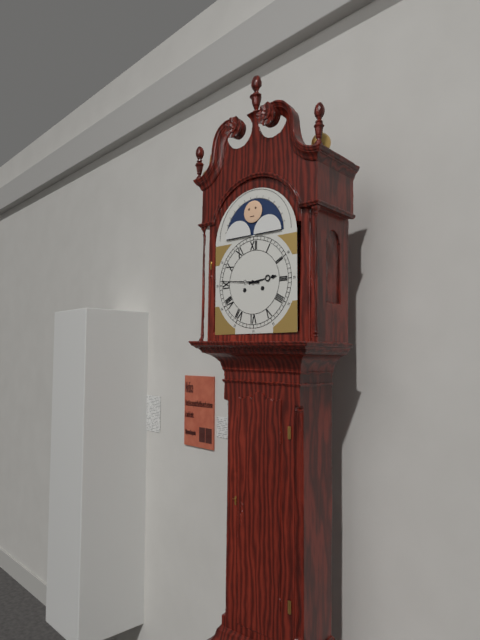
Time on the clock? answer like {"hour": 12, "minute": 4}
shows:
{"hour": 2, "minute": 46}
